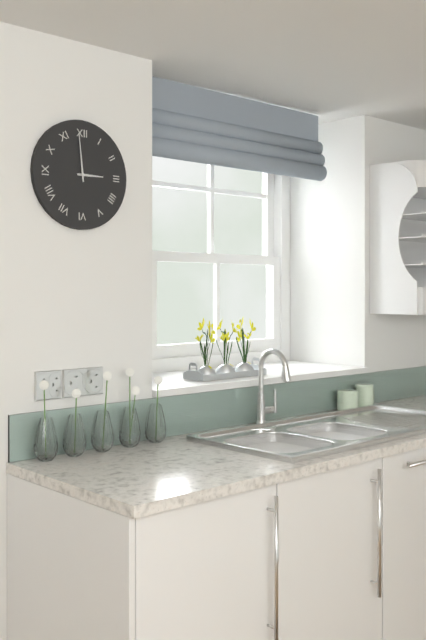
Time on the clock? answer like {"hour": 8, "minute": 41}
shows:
{"hour": 2, "minute": 59}
